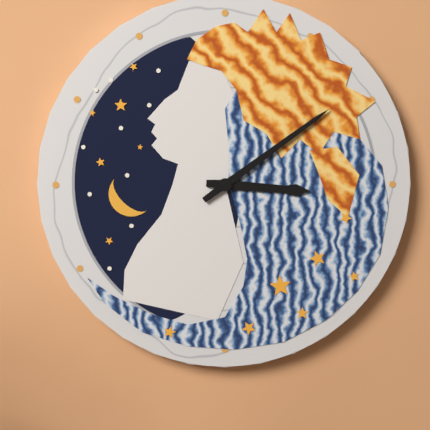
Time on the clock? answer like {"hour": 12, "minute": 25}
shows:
{"hour": 3, "minute": 9}
